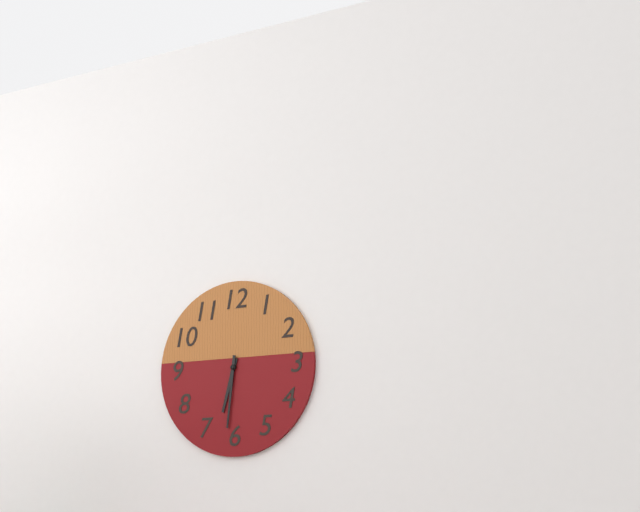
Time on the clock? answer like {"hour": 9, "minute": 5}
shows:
{"hour": 6, "minute": 31}
